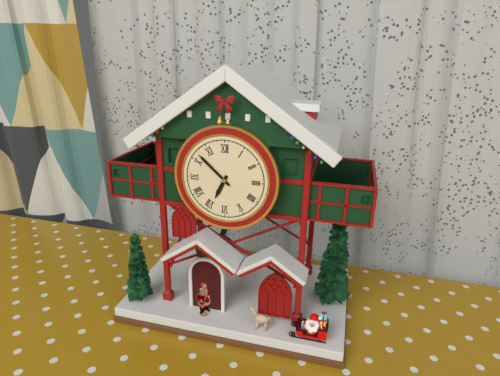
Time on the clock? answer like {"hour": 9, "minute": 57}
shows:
{"hour": 6, "minute": 52}
